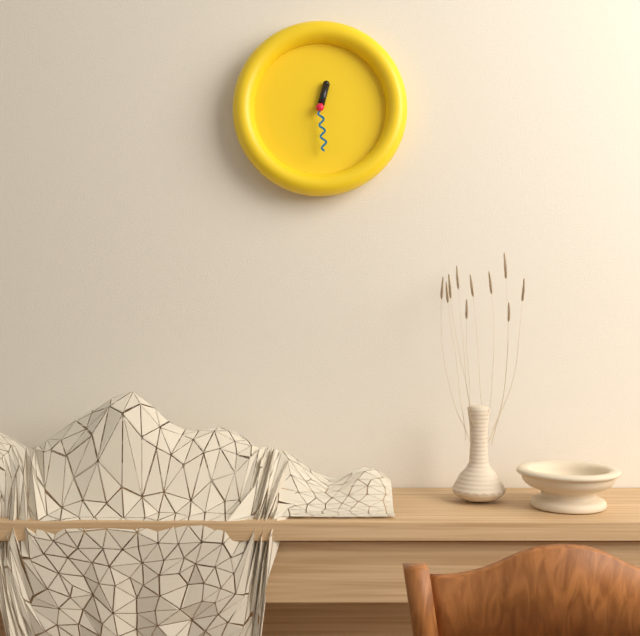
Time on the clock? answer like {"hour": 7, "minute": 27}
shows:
{"hour": 12, "minute": 29}
